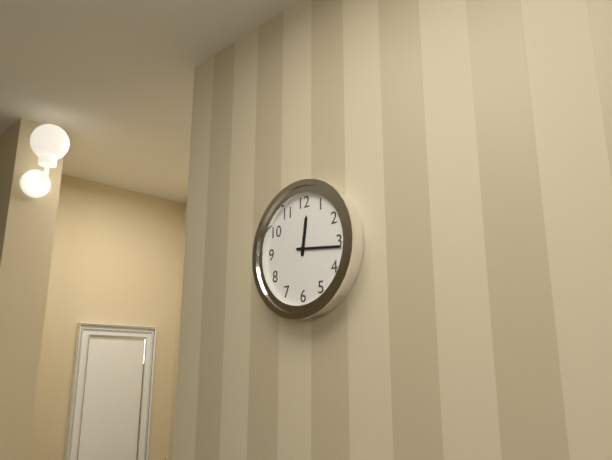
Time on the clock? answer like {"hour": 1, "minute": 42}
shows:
{"hour": 12, "minute": 16}
